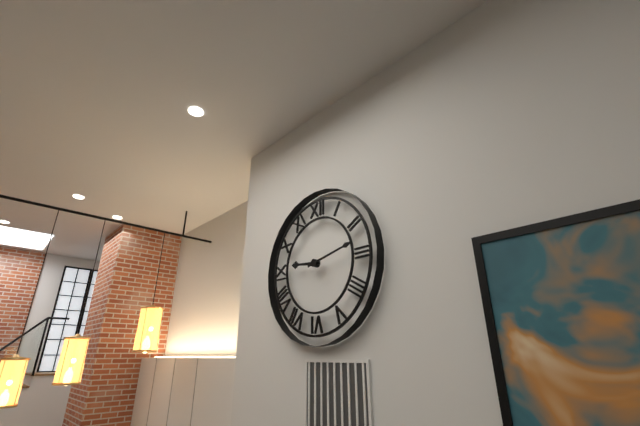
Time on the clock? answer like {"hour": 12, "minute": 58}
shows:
{"hour": 9, "minute": 13}
